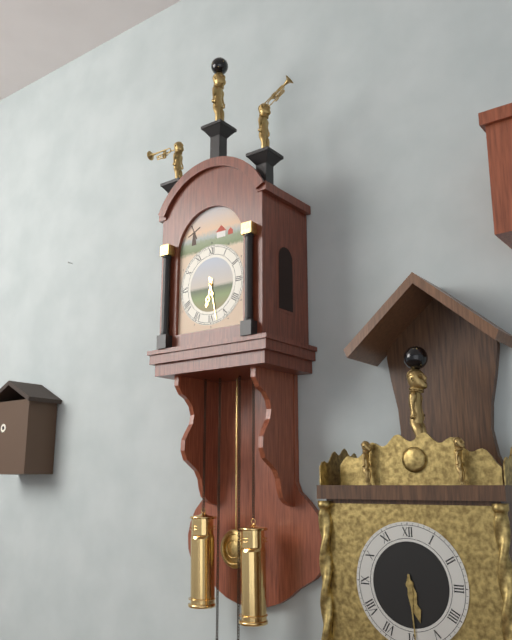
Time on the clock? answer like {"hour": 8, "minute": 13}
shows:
{"hour": 6, "minute": 28}
